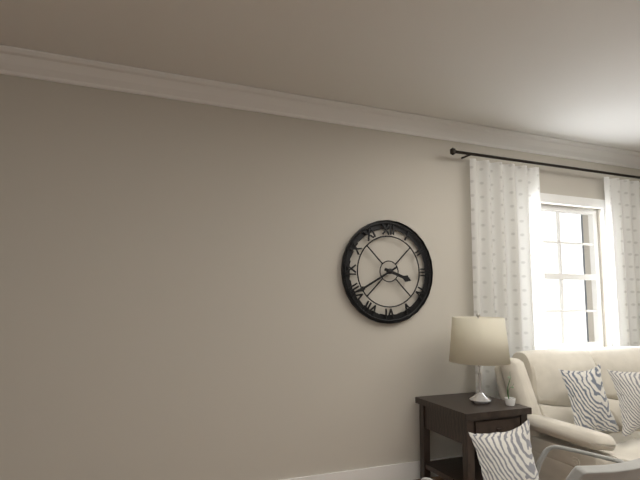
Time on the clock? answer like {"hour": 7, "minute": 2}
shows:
{"hour": 3, "minute": 40}
